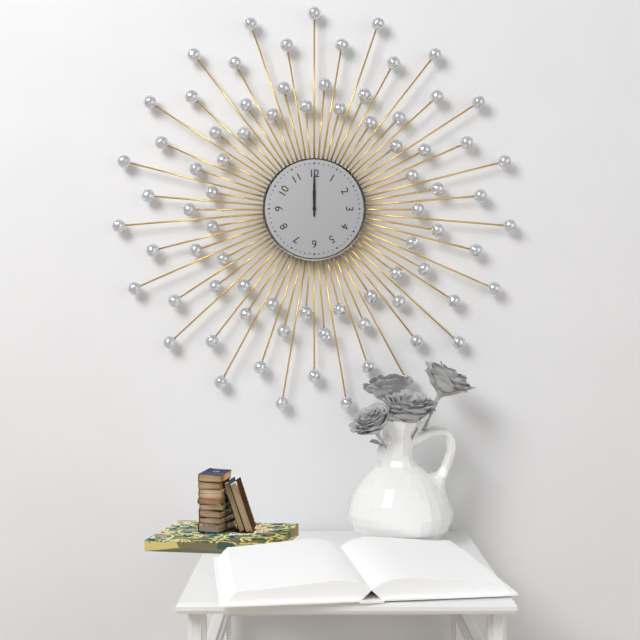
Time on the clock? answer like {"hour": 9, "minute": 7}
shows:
{"hour": 12, "minute": 0}
